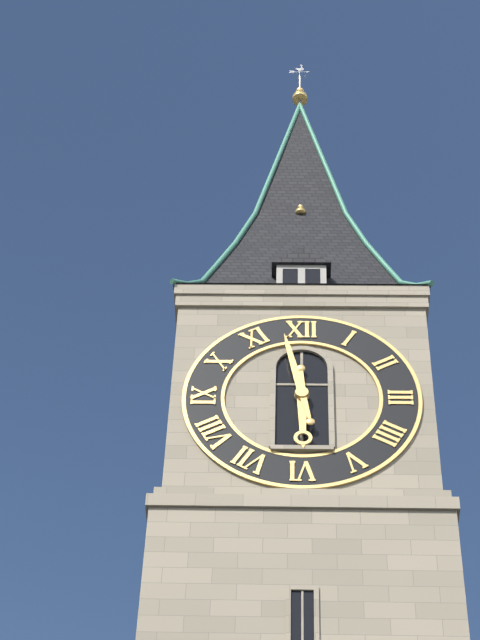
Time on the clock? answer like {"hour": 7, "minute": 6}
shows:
{"hour": 5, "minute": 58}
